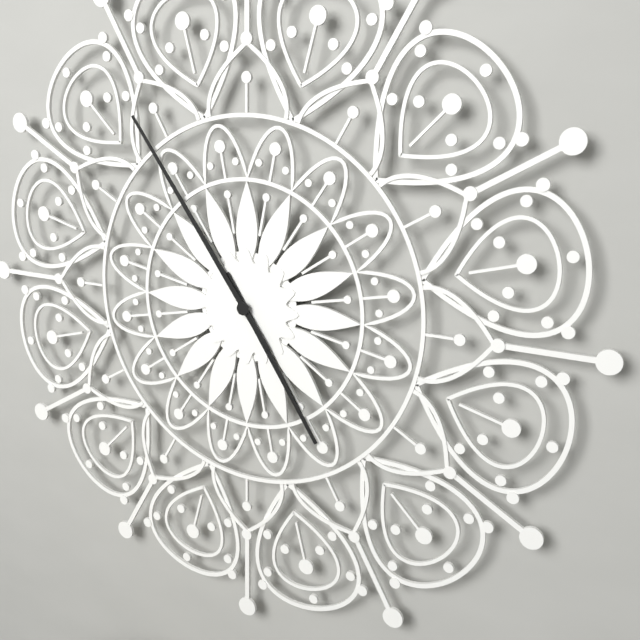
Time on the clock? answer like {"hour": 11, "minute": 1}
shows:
{"hour": 4, "minute": 54}
